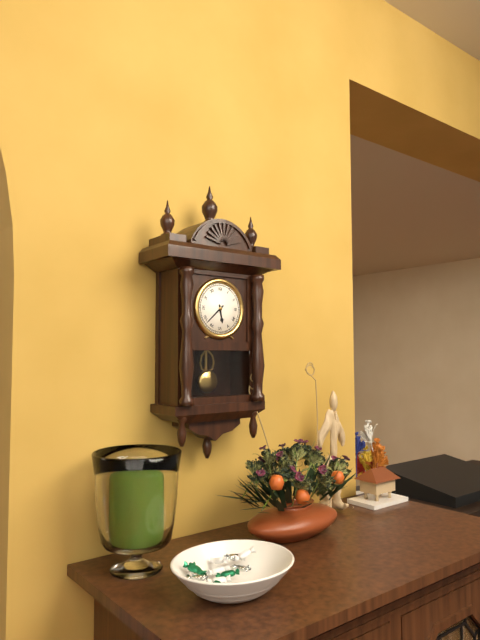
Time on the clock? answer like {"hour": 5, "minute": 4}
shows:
{"hour": 5, "minute": 38}
